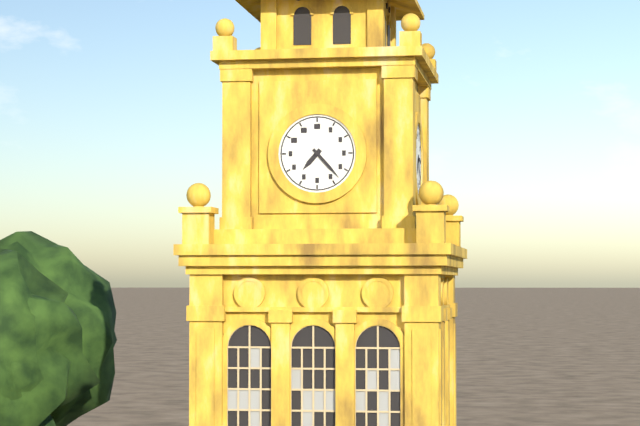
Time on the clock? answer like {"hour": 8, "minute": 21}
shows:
{"hour": 7, "minute": 23}
